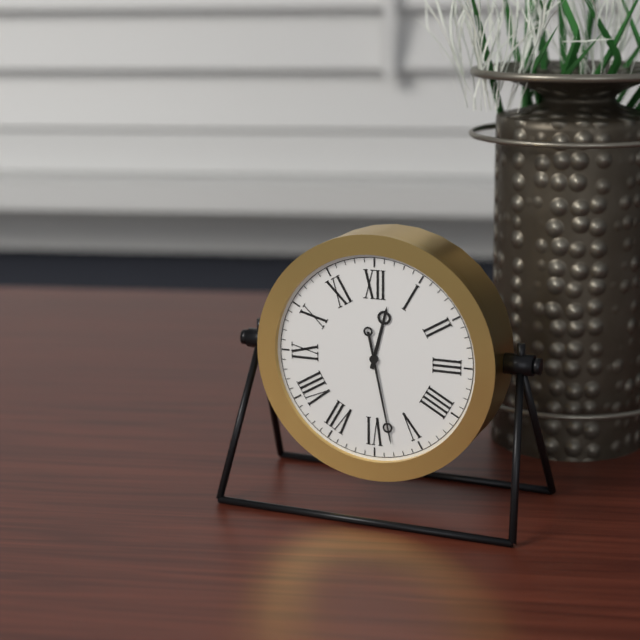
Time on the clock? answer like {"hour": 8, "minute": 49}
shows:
{"hour": 12, "minute": 28}
